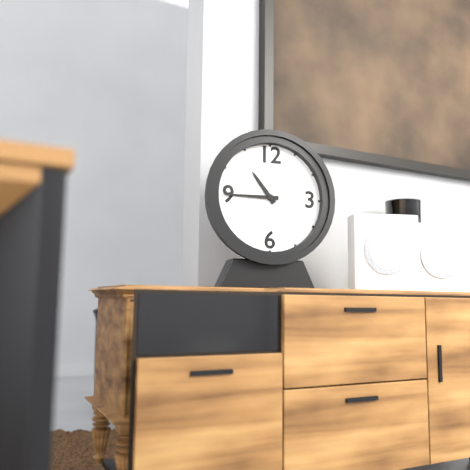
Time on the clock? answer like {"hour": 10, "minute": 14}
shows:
{"hour": 10, "minute": 45}
